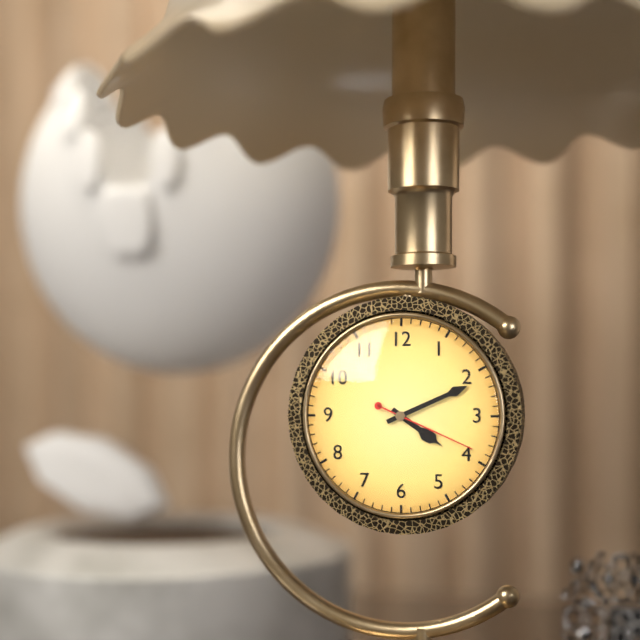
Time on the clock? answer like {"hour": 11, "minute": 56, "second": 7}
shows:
{"hour": 4, "minute": 11, "second": 19}
